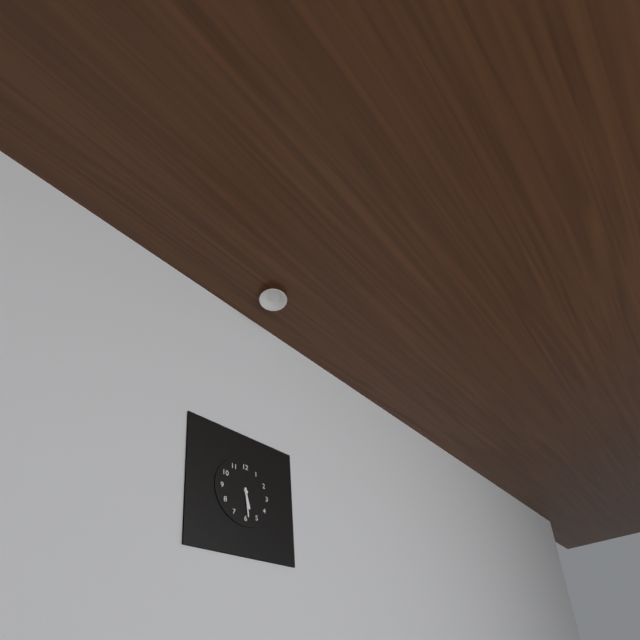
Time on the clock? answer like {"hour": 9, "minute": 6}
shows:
{"hour": 5, "minute": 29}
